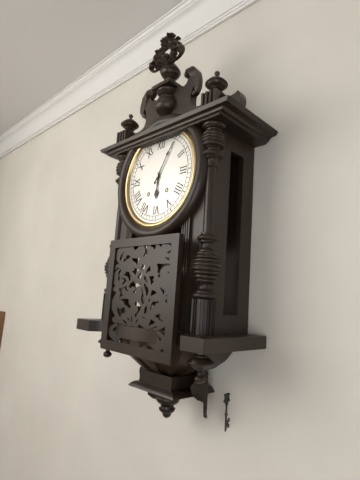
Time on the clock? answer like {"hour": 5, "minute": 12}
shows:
{"hour": 6, "minute": 5}
